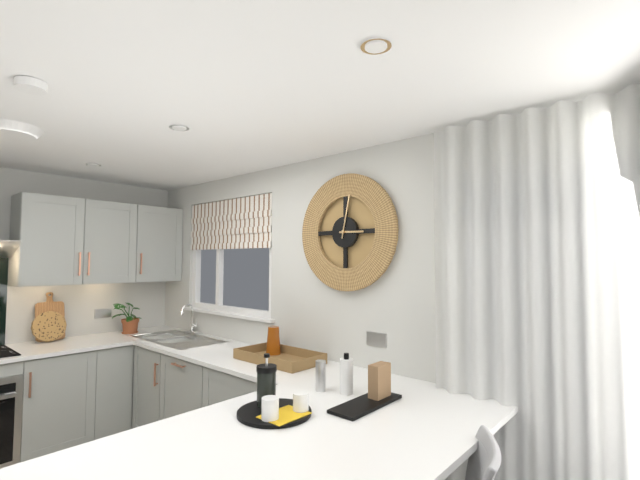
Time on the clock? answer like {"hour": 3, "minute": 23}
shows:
{"hour": 3, "minute": 2}
